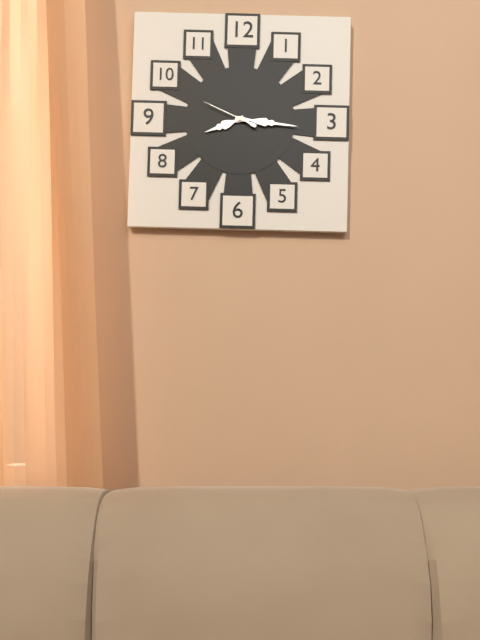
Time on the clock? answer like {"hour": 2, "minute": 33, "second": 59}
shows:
{"hour": 8, "minute": 16, "second": 49}
